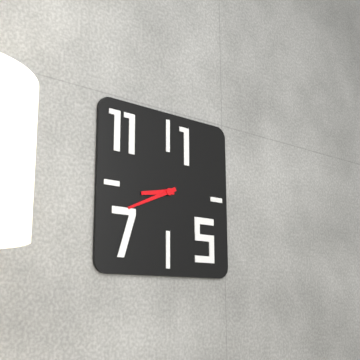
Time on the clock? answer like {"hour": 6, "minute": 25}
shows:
{"hour": 8, "minute": 41}
